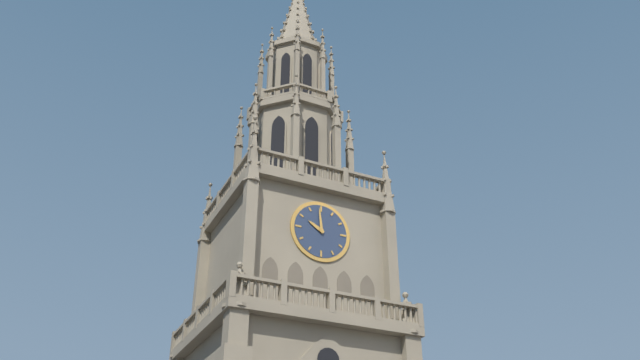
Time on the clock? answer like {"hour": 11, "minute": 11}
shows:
{"hour": 9, "minute": 59}
